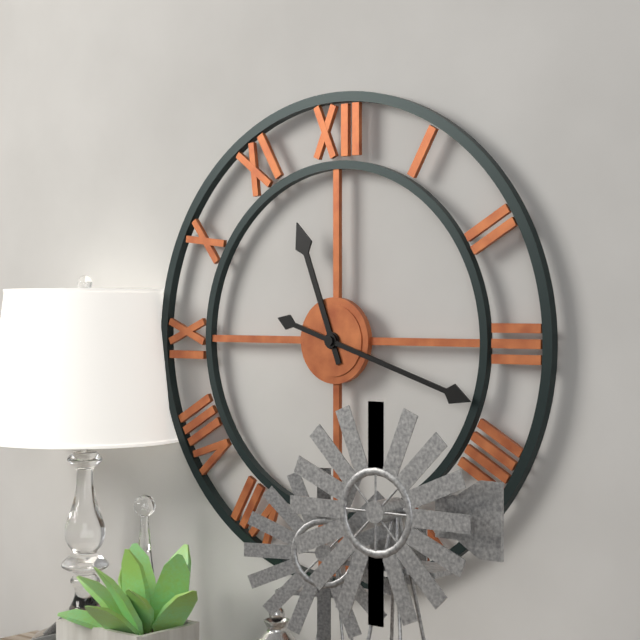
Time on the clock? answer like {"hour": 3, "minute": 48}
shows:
{"hour": 11, "minute": 18}
